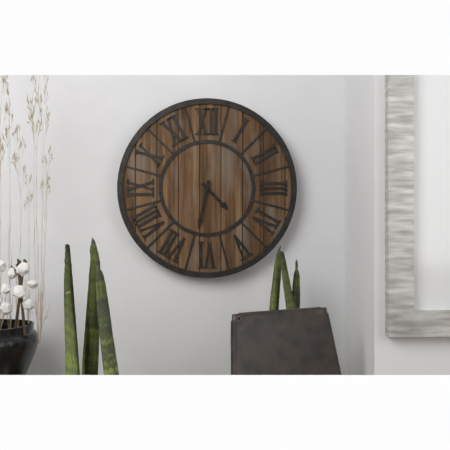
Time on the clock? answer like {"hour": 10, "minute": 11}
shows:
{"hour": 4, "minute": 32}
